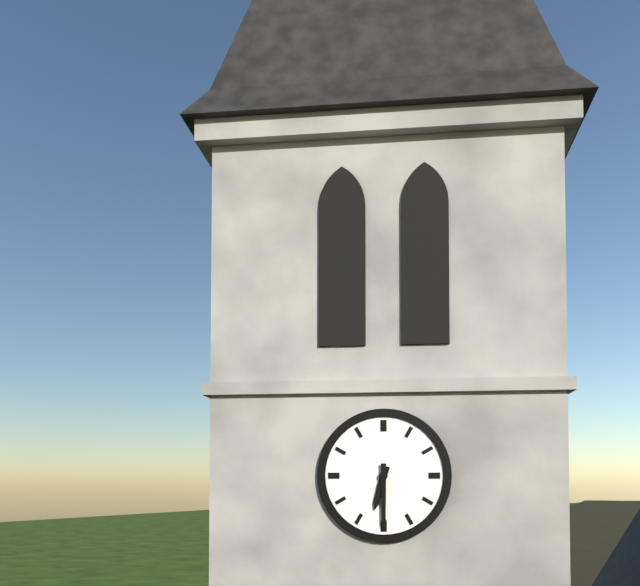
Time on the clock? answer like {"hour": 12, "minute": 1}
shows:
{"hour": 6, "minute": 30}
